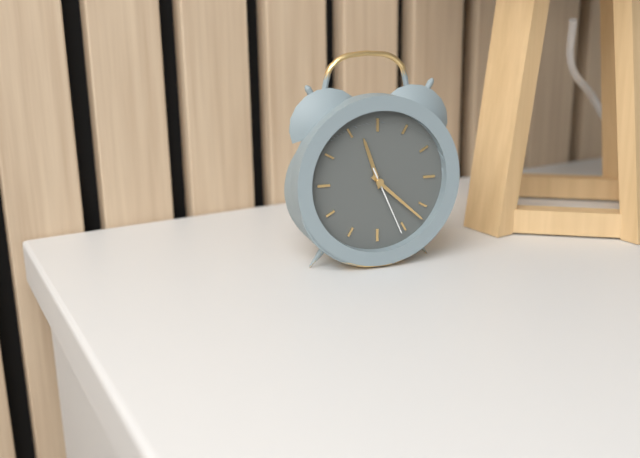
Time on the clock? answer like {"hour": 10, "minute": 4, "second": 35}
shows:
{"hour": 11, "minute": 22, "second": 26}
